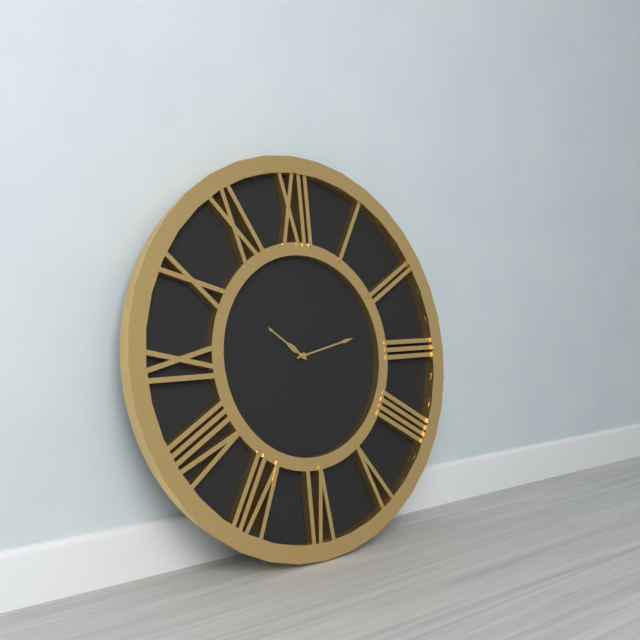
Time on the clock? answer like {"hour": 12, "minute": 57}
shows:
{"hour": 10, "minute": 13}
